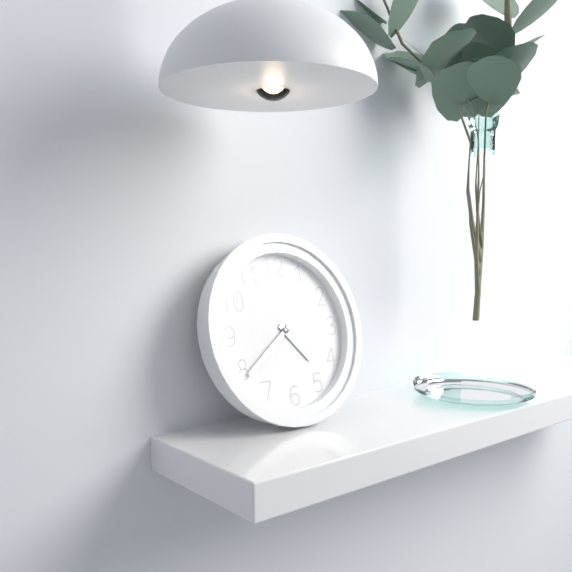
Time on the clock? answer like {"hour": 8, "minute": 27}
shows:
{"hour": 4, "minute": 39}
